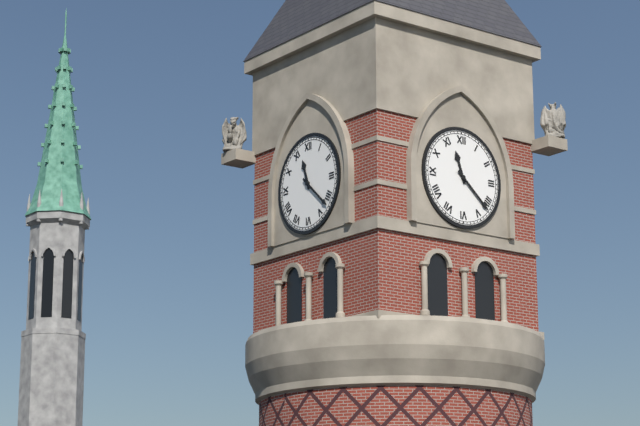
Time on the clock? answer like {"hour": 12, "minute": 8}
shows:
{"hour": 11, "minute": 22}
